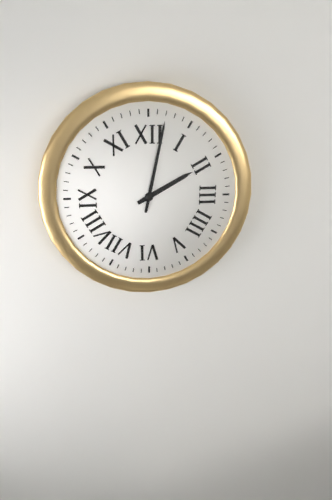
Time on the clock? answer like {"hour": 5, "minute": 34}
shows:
{"hour": 2, "minute": 2}
